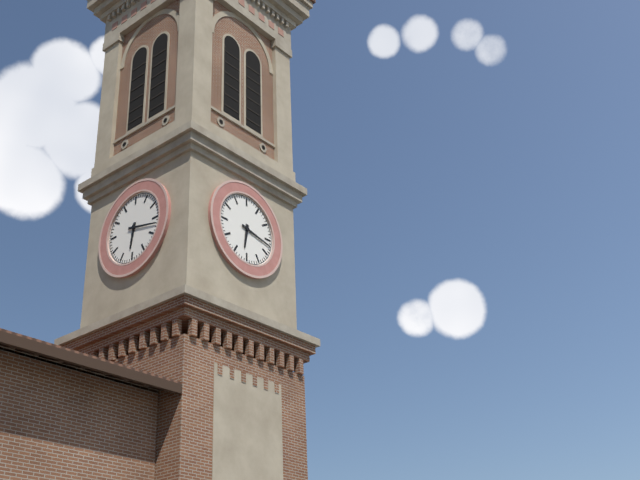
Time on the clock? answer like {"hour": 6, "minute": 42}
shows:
{"hour": 6, "minute": 17}
